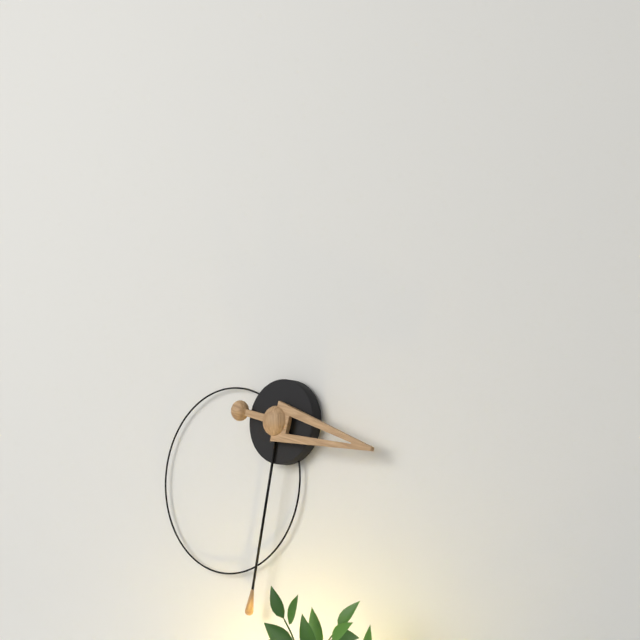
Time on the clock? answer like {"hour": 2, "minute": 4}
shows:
{"hour": 3, "minute": 32}
